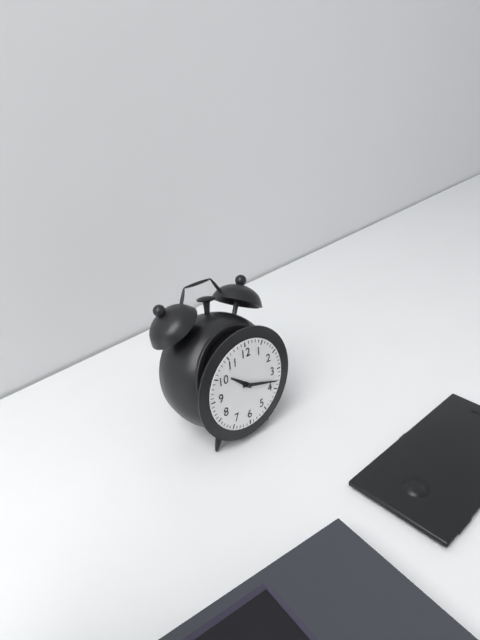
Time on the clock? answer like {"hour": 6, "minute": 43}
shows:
{"hour": 10, "minute": 18}
